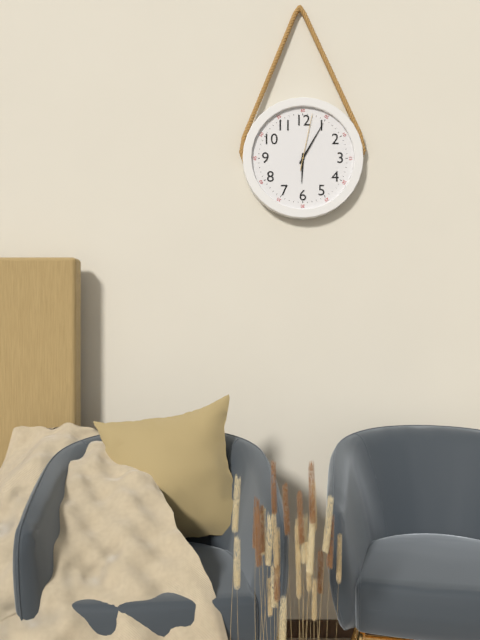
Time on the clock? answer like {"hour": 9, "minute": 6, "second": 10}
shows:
{"hour": 6, "minute": 5, "second": 2}
